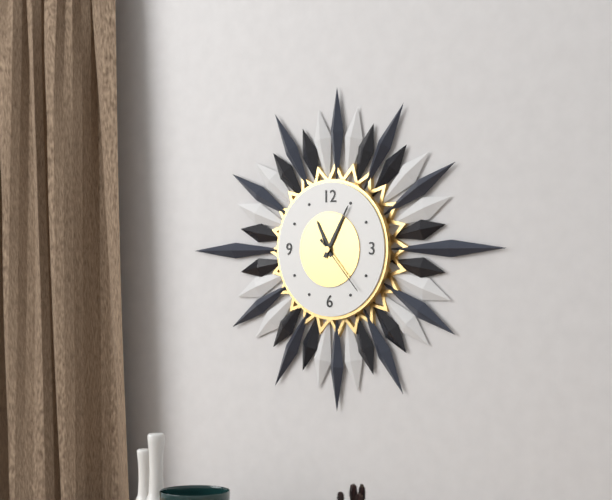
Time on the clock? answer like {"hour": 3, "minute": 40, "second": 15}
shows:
{"hour": 11, "minute": 5, "second": 23}
